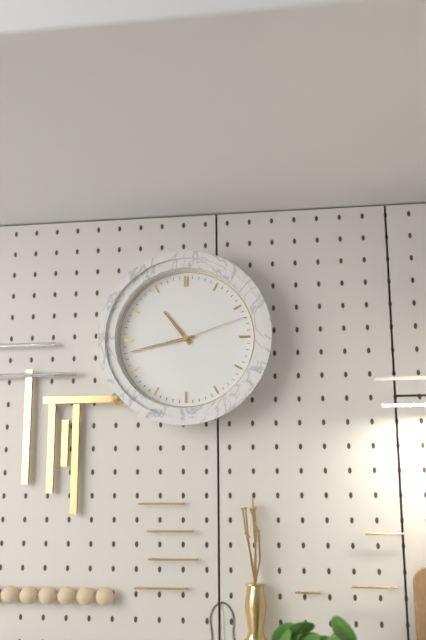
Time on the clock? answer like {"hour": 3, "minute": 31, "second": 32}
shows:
{"hour": 10, "minute": 43, "second": 12}
